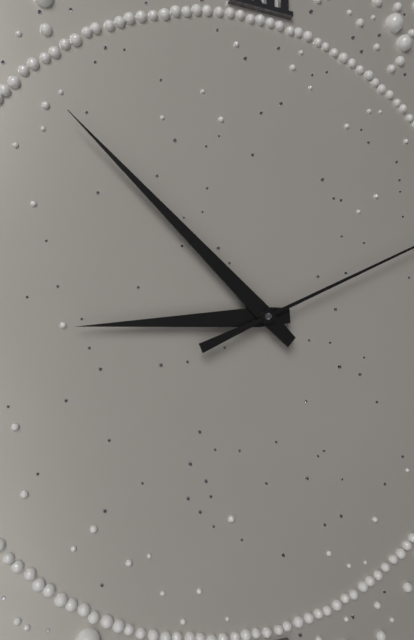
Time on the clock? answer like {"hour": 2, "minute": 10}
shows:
{"hour": 8, "minute": 52}
